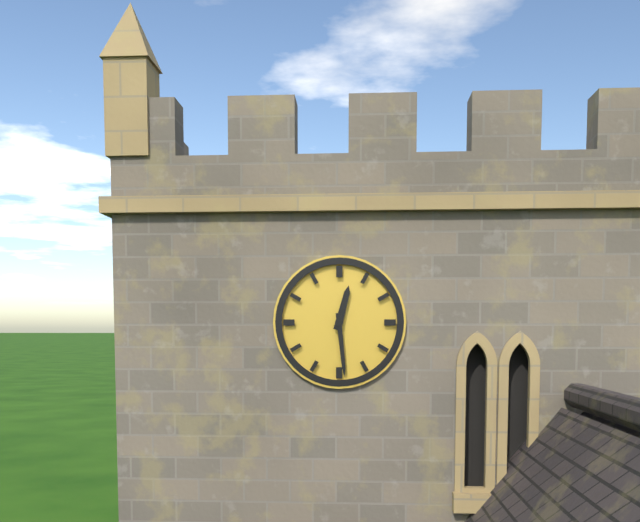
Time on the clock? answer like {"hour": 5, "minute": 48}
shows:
{"hour": 12, "minute": 29}
